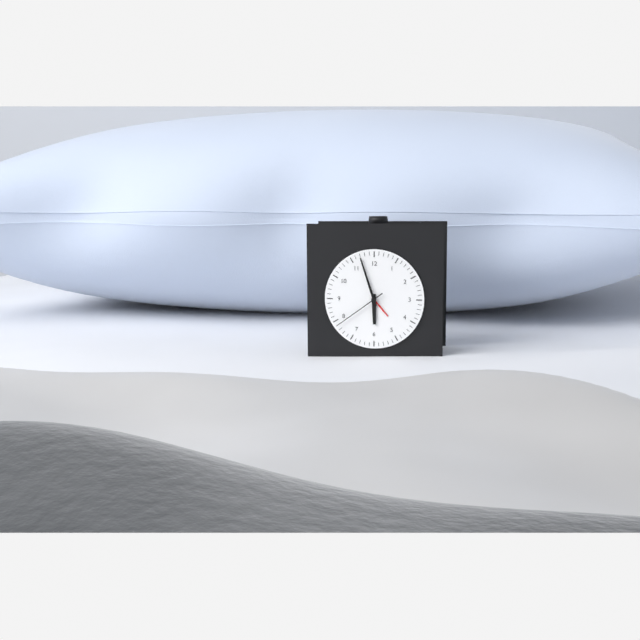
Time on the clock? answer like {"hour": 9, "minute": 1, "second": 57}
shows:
{"hour": 5, "minute": 57, "second": 39}
